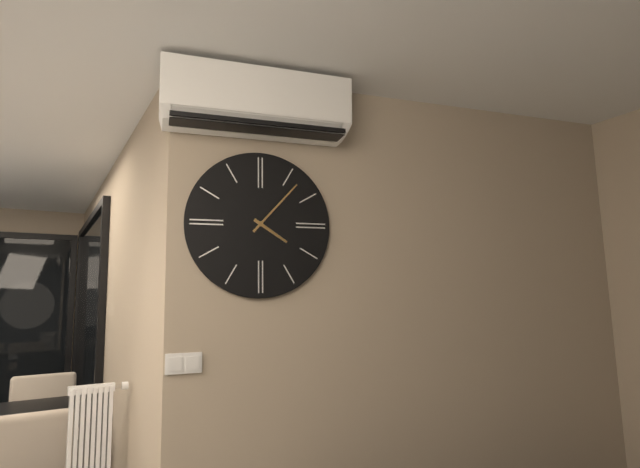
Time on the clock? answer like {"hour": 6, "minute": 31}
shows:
{"hour": 4, "minute": 7}
